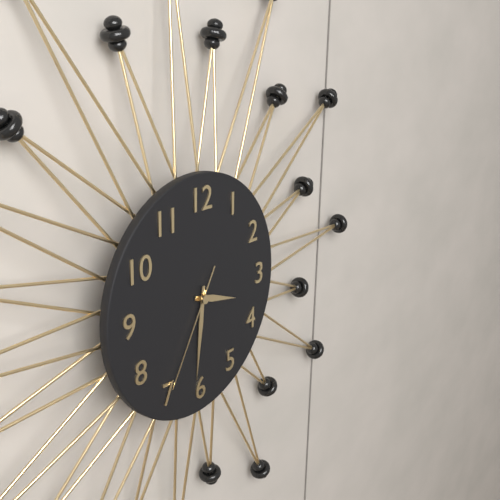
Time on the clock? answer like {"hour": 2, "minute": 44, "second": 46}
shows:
{"hour": 3, "minute": 31, "second": 35}
